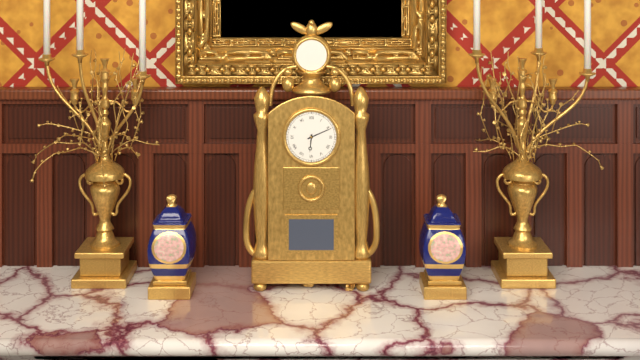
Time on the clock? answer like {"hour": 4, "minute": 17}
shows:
{"hour": 6, "minute": 11}
